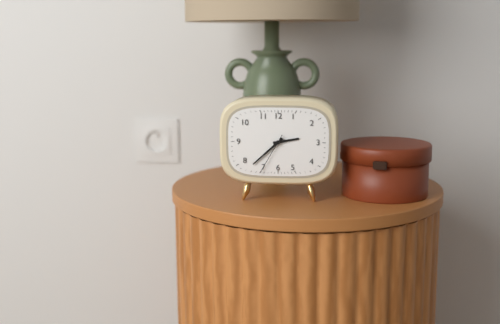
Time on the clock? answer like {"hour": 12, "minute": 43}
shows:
{"hour": 2, "minute": 38}
